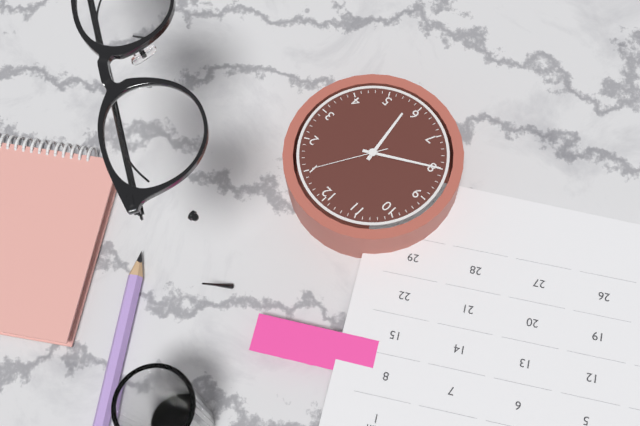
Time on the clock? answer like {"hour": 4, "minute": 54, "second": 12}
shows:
{"hour": 5, "minute": 40, "second": 5}
